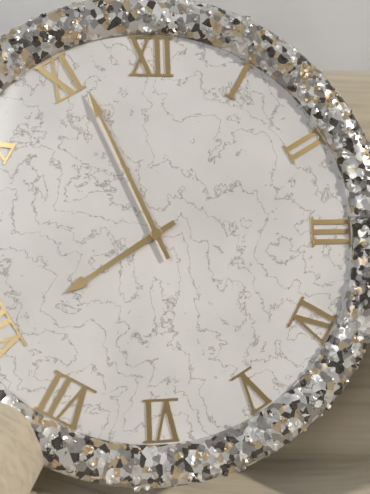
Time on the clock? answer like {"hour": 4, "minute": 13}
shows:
{"hour": 7, "minute": 56}
